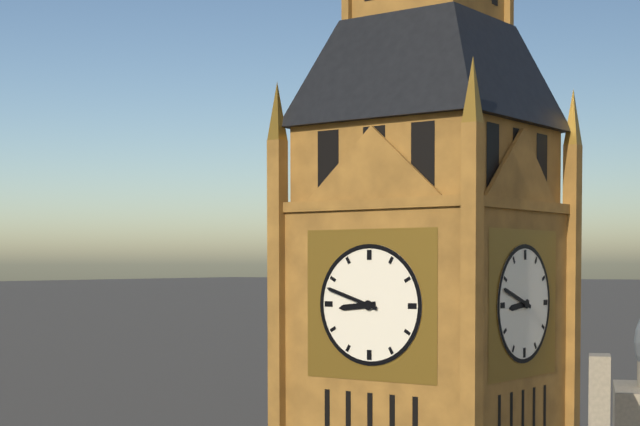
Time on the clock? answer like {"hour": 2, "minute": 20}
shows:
{"hour": 8, "minute": 48}
